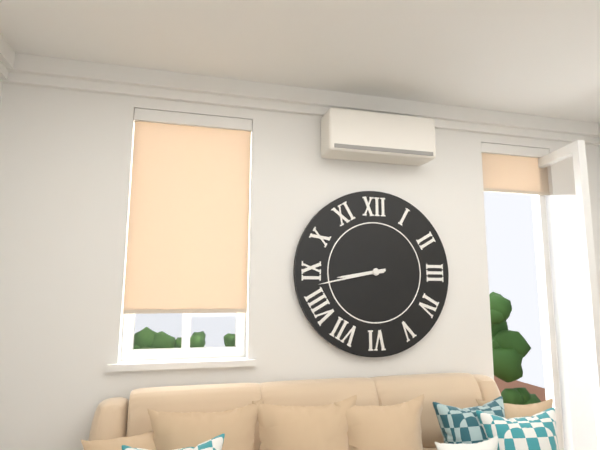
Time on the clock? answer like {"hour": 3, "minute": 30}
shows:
{"hour": 8, "minute": 43}
